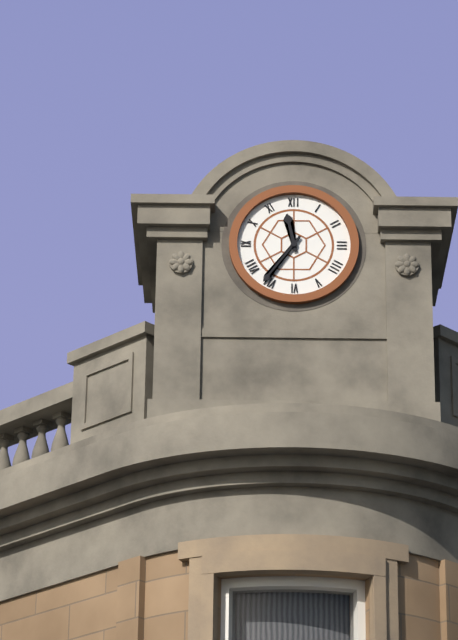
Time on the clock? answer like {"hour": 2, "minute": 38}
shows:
{"hour": 11, "minute": 36}
